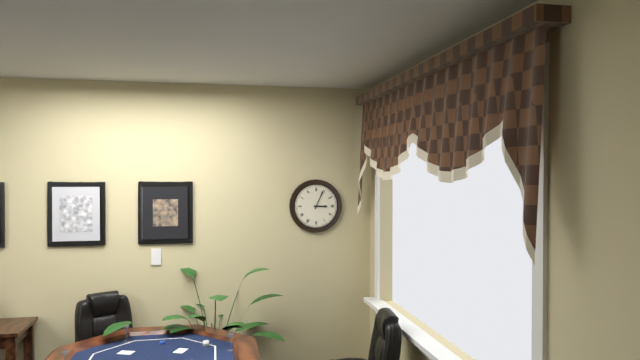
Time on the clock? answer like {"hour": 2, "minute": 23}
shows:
{"hour": 3, "minute": 4}
